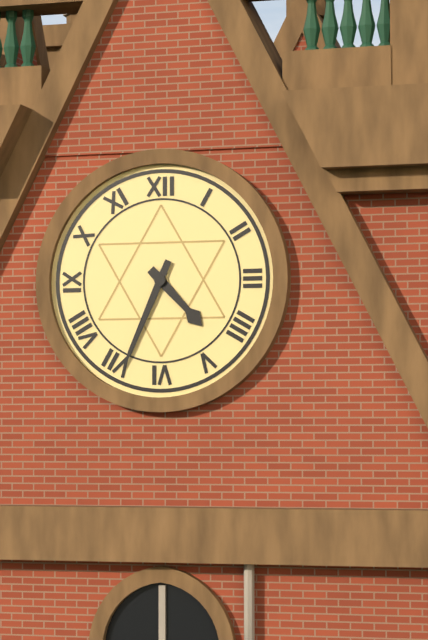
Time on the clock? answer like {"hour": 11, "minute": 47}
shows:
{"hour": 4, "minute": 34}
